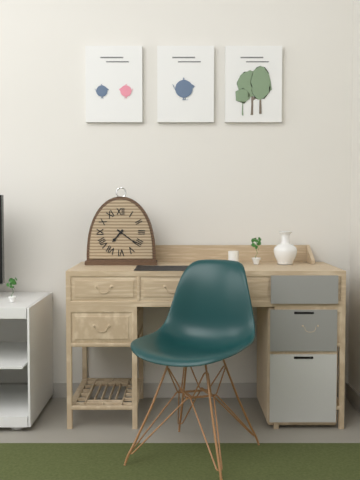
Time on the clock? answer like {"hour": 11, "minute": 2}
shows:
{"hour": 7, "minute": 21}
